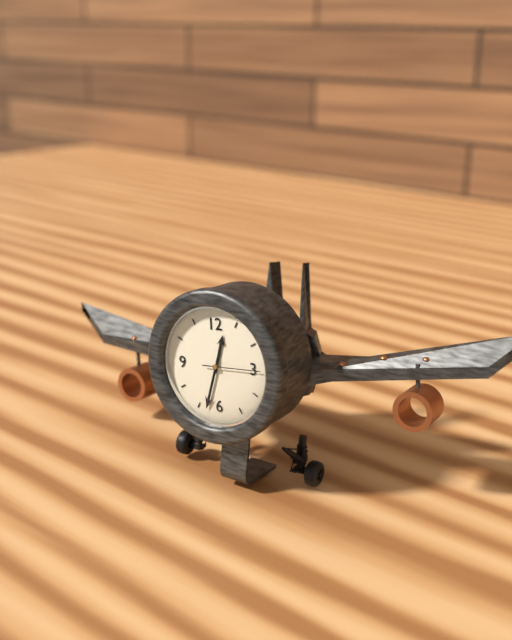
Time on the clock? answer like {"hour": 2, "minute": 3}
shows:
{"hour": 12, "minute": 33}
